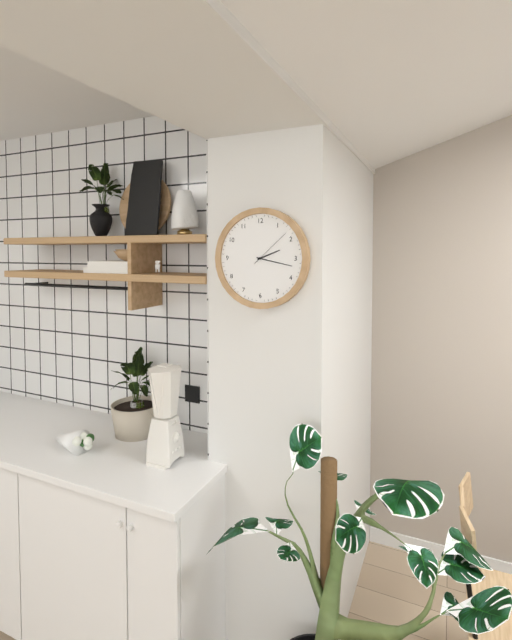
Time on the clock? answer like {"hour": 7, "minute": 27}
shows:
{"hour": 2, "minute": 17}
